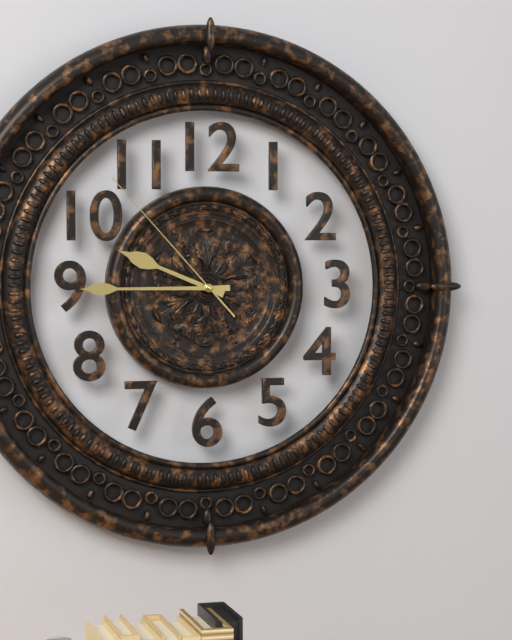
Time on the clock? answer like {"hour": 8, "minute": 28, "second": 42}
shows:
{"hour": 9, "minute": 45, "second": 53}
